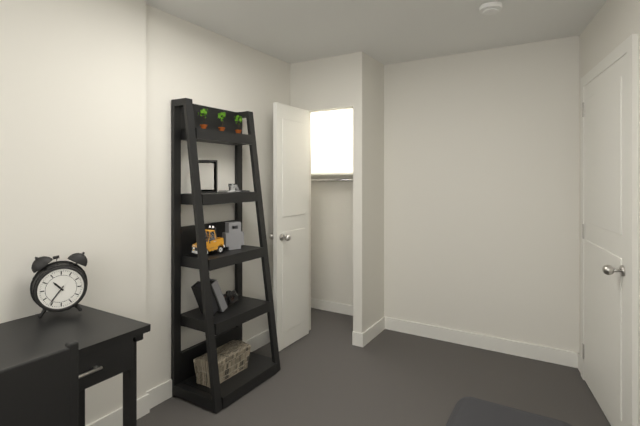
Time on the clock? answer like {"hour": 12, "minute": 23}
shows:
{"hour": 10, "minute": 36}
